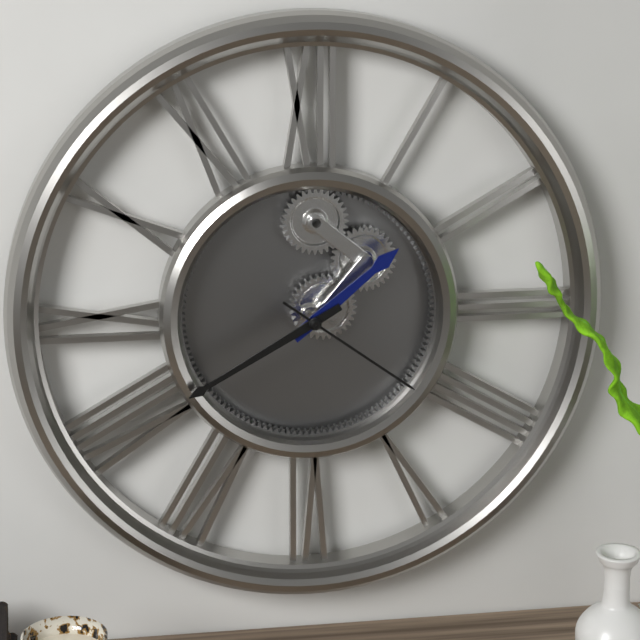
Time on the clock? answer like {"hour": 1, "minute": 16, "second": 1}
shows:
{"hour": 1, "minute": 40, "second": 21}
